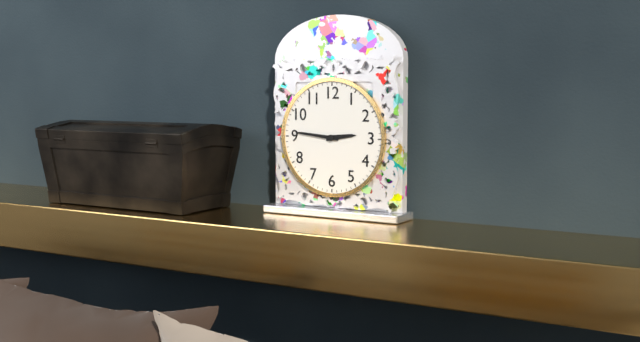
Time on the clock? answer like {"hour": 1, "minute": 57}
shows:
{"hour": 2, "minute": 46}
